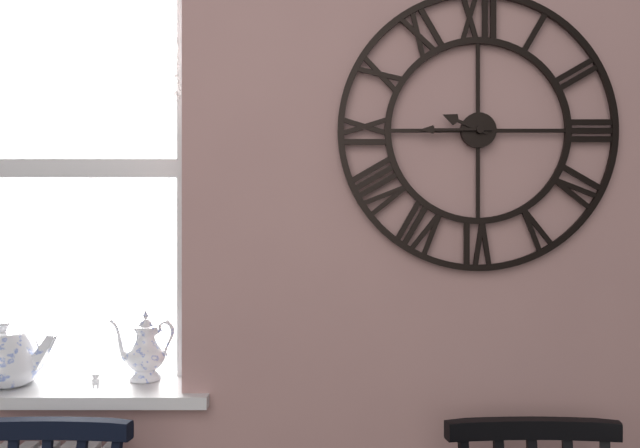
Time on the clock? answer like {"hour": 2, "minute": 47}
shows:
{"hour": 9, "minute": 45}
